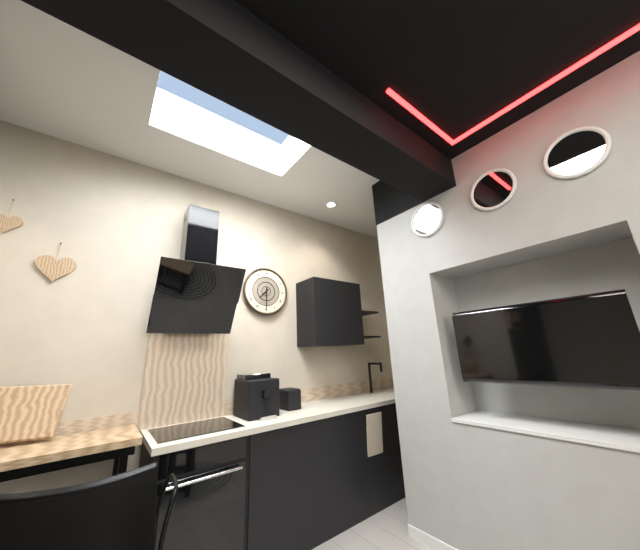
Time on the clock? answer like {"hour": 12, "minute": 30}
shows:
{"hour": 7, "minute": 30}
